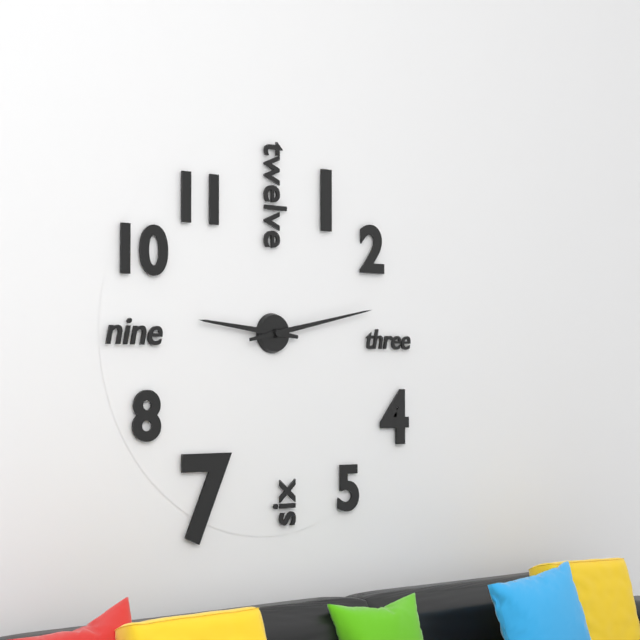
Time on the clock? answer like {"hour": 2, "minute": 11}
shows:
{"hour": 9, "minute": 13}
